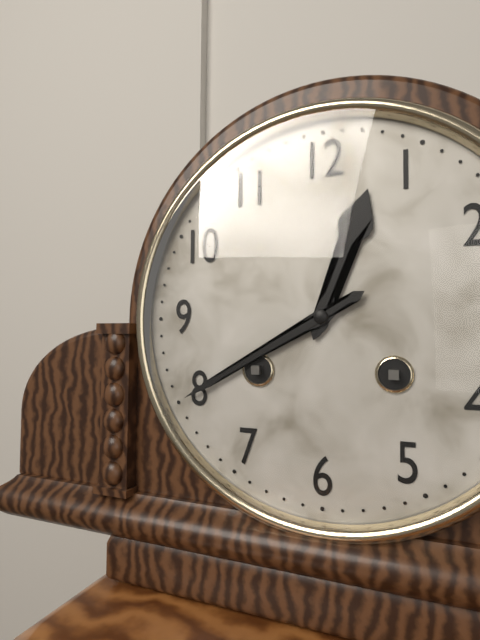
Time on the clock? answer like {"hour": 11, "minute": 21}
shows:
{"hour": 12, "minute": 40}
